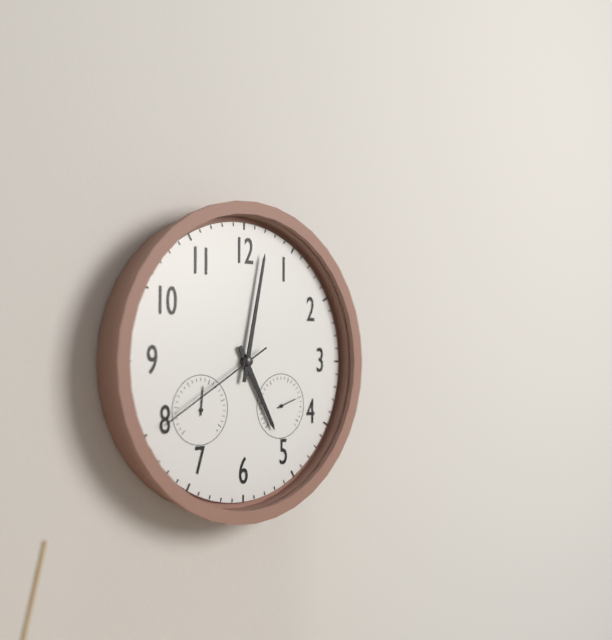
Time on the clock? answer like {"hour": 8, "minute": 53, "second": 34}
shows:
{"hour": 5, "minute": 2, "second": 40}
